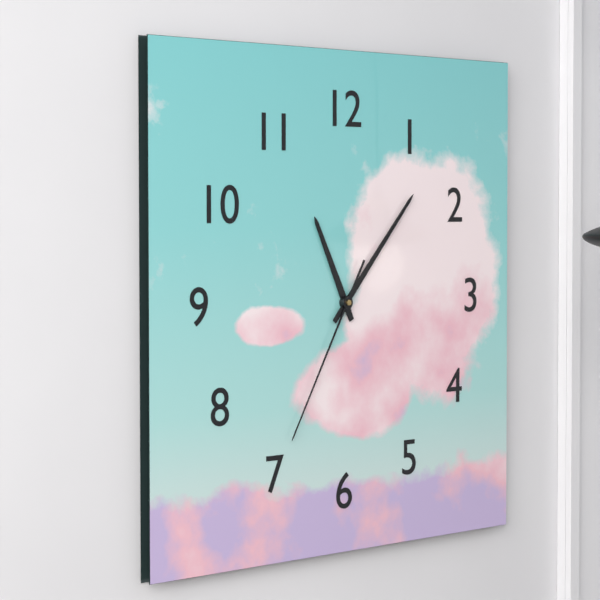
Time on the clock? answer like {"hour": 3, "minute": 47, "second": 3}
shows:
{"hour": 11, "minute": 7, "second": 35}
